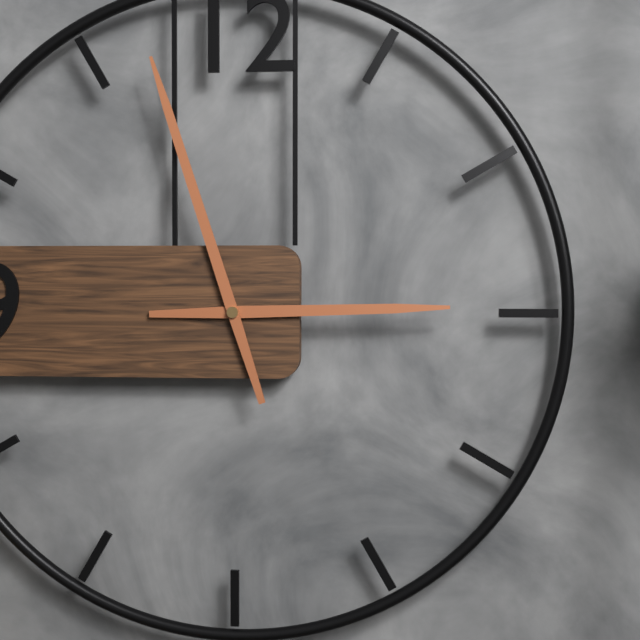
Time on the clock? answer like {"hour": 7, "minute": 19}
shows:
{"hour": 2, "minute": 57}
